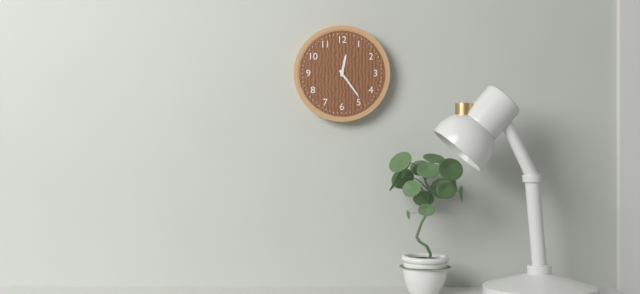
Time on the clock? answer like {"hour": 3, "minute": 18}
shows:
{"hour": 12, "minute": 24}
